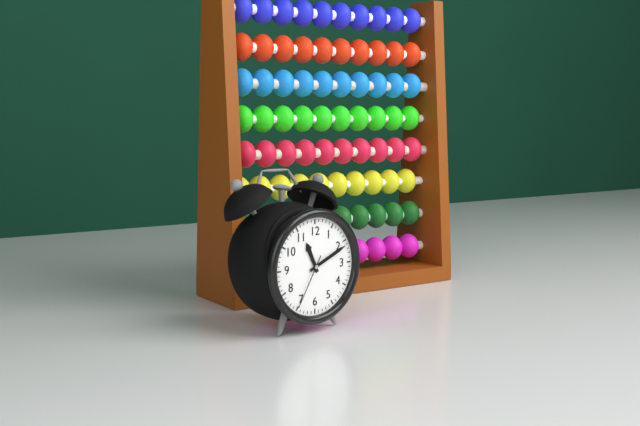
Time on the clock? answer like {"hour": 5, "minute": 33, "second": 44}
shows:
{"hour": 11, "minute": 11, "second": 35}
